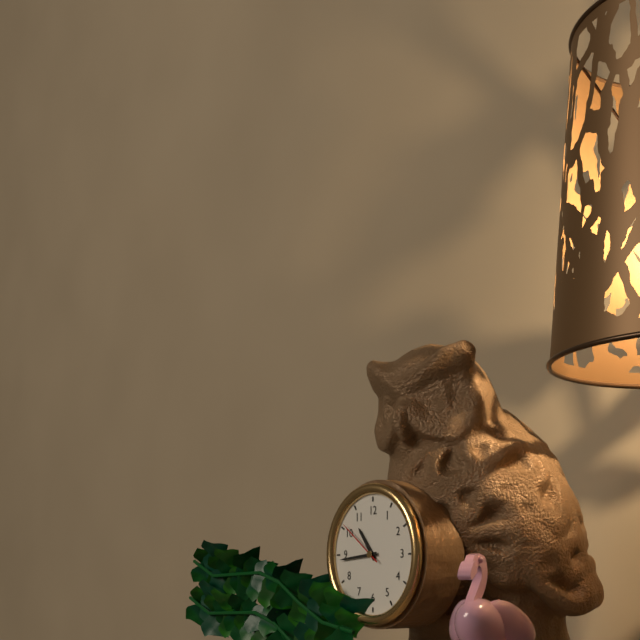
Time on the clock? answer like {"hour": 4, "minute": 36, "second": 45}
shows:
{"hour": 10, "minute": 44, "second": 51}
